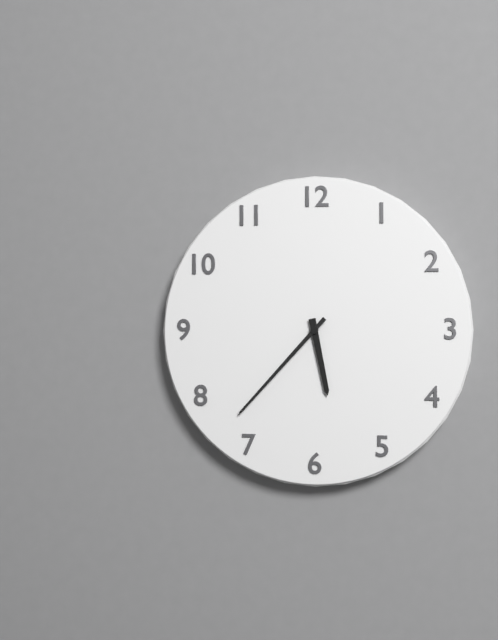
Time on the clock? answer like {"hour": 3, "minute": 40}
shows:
{"hour": 5, "minute": 37}
